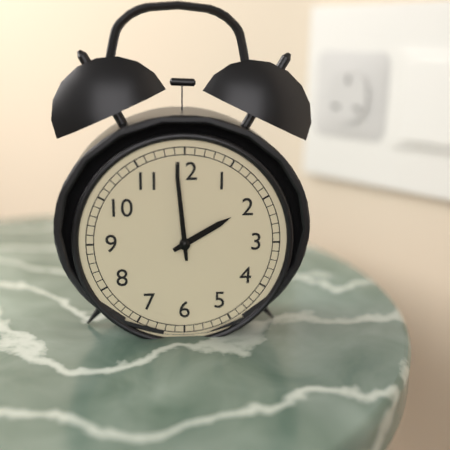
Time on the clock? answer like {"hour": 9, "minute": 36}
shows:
{"hour": 1, "minute": 59}
